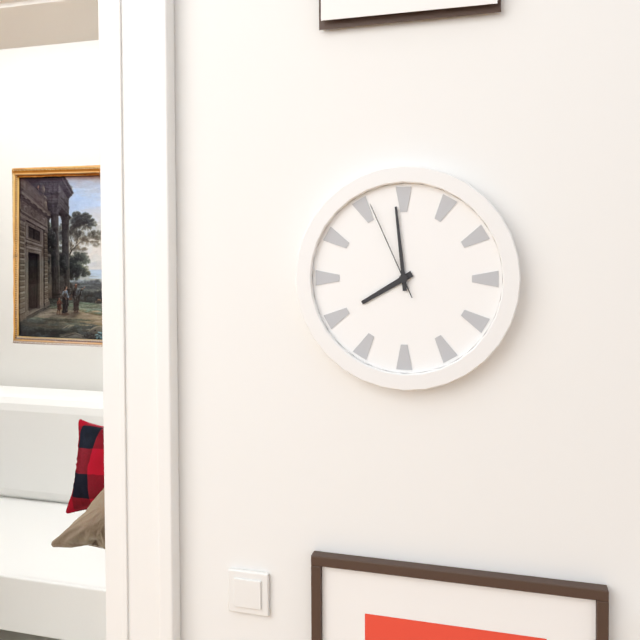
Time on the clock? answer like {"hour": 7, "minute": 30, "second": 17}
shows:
{"hour": 7, "minute": 59, "second": 56}
